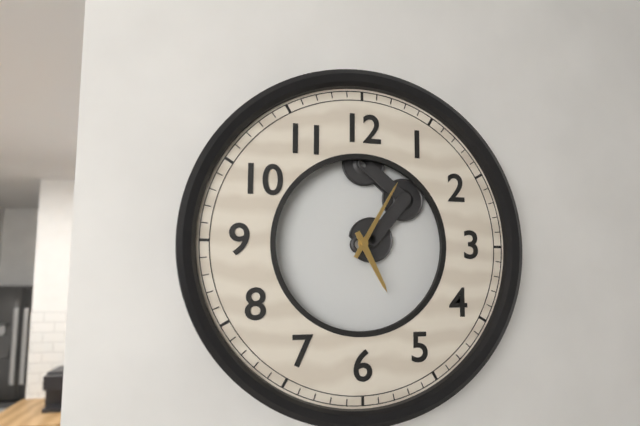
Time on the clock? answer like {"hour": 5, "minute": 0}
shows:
{"hour": 5, "minute": 5}
